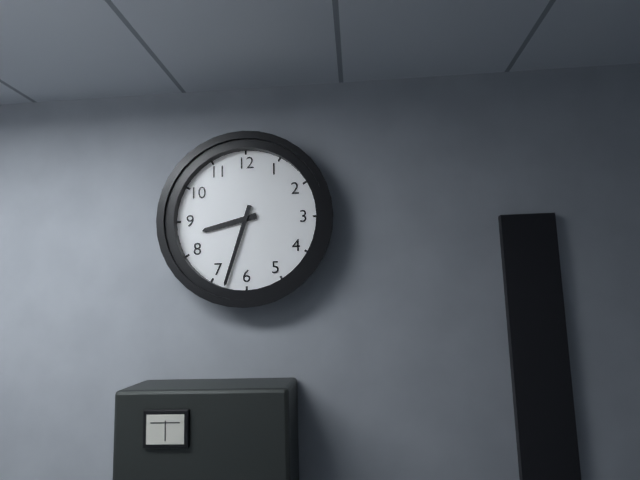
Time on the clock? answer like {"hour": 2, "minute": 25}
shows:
{"hour": 8, "minute": 33}
